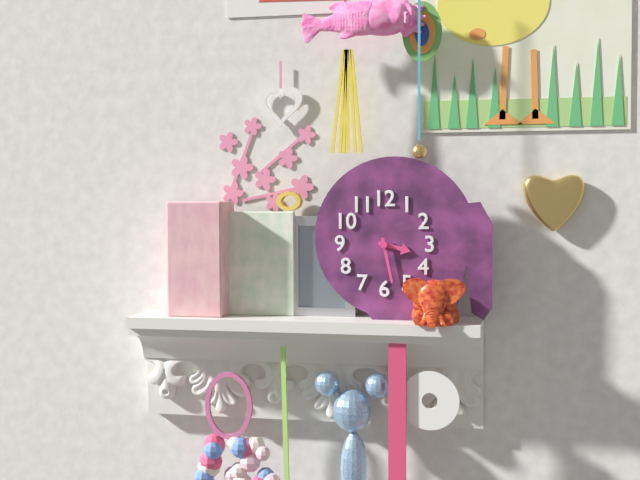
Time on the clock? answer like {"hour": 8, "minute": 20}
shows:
{"hour": 3, "minute": 28}
